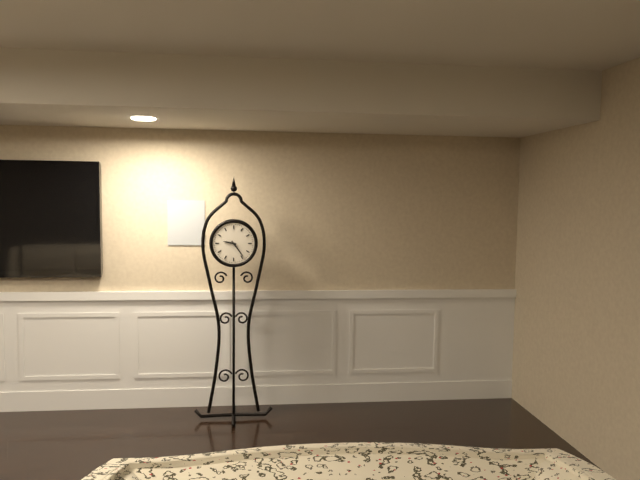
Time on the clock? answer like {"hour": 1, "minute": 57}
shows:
{"hour": 9, "minute": 24}
